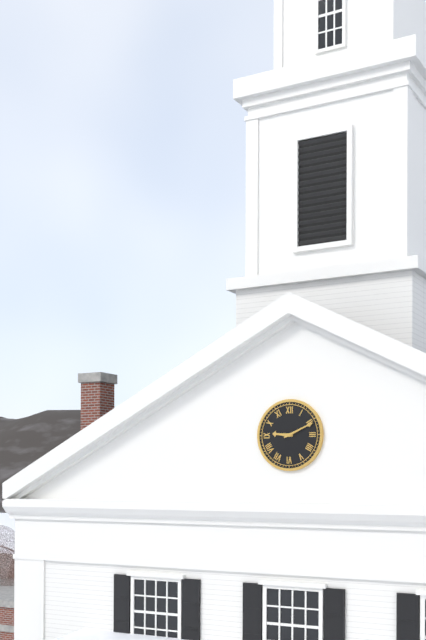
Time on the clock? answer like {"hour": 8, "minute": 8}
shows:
{"hour": 9, "minute": 11}
